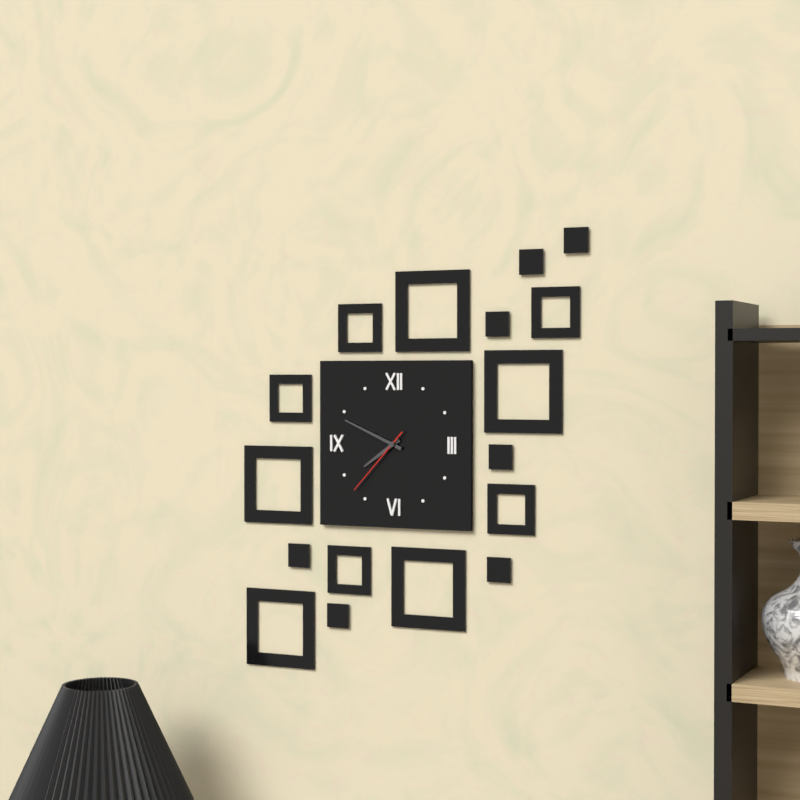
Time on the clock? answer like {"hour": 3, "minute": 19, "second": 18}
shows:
{"hour": 7, "minute": 49, "second": 37}
